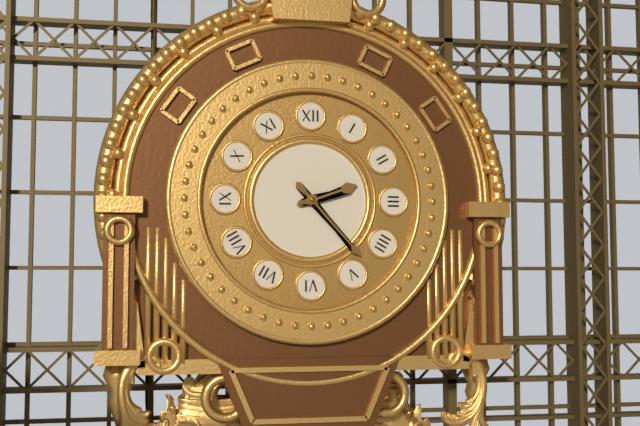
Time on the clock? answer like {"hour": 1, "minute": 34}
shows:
{"hour": 2, "minute": 23}
